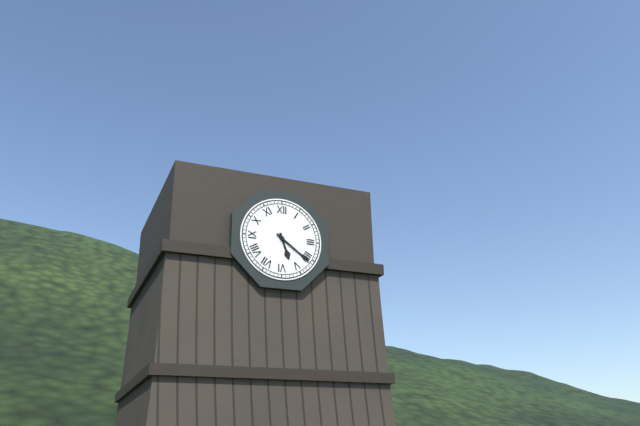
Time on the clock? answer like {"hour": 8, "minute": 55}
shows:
{"hour": 5, "minute": 21}
